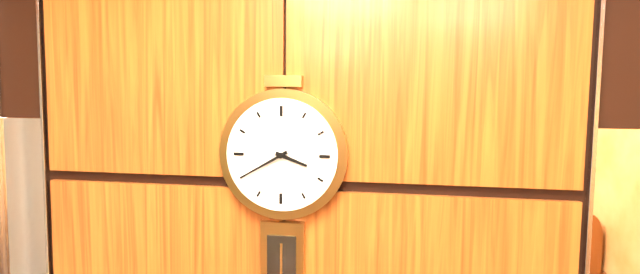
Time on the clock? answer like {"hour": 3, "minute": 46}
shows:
{"hour": 3, "minute": 40}
